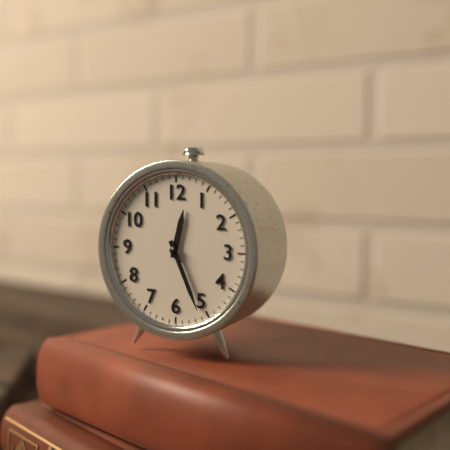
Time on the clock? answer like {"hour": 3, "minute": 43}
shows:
{"hour": 12, "minute": 26}
